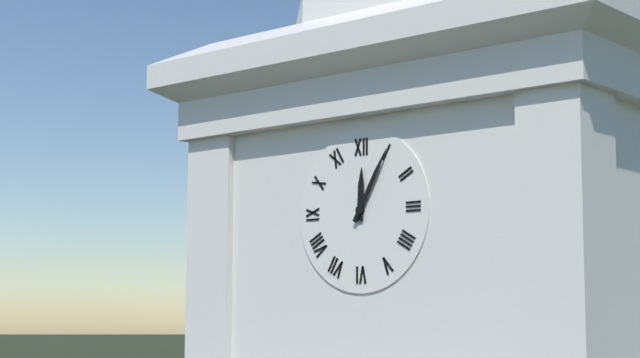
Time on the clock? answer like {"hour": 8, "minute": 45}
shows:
{"hour": 12, "minute": 5}
